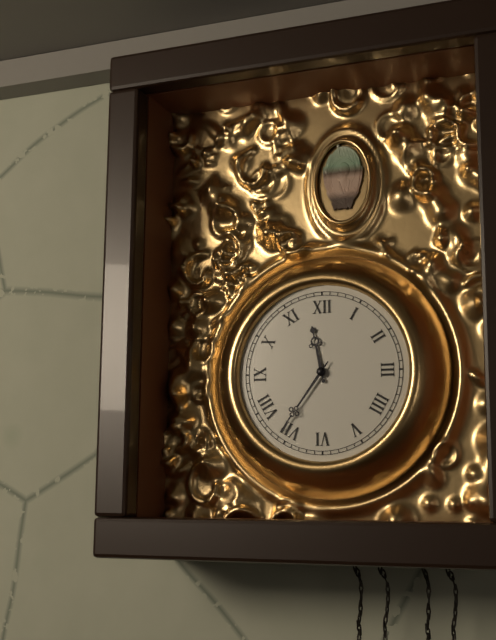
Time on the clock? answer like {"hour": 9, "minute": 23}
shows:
{"hour": 11, "minute": 36}
